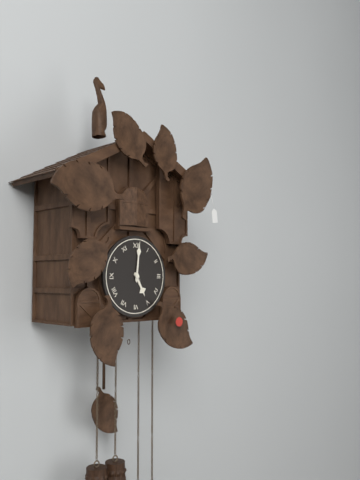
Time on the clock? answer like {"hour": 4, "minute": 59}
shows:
{"hour": 5, "minute": 1}
